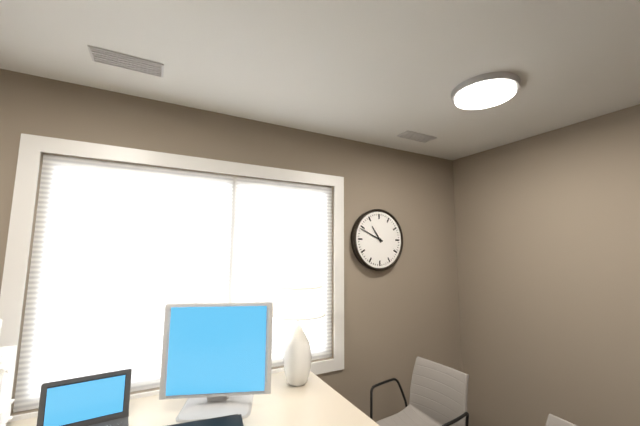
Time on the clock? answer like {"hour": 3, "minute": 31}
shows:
{"hour": 10, "minute": 49}
